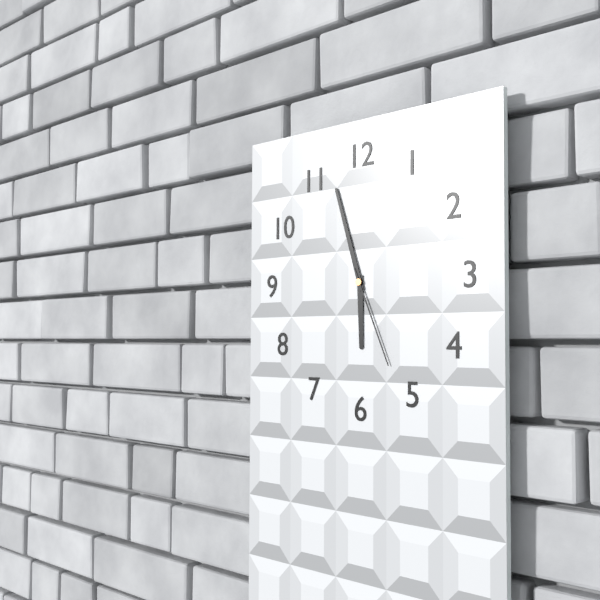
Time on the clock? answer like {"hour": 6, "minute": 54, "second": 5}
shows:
{"hour": 5, "minute": 57, "second": 26}
